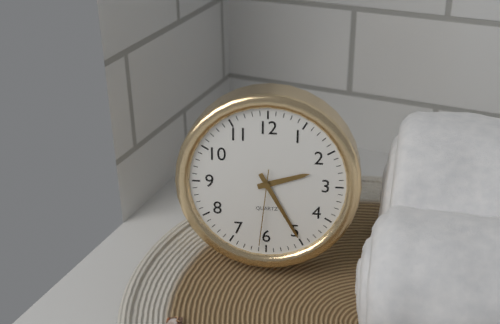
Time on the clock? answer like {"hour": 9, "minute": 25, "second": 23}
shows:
{"hour": 2, "minute": 25, "second": 31}
